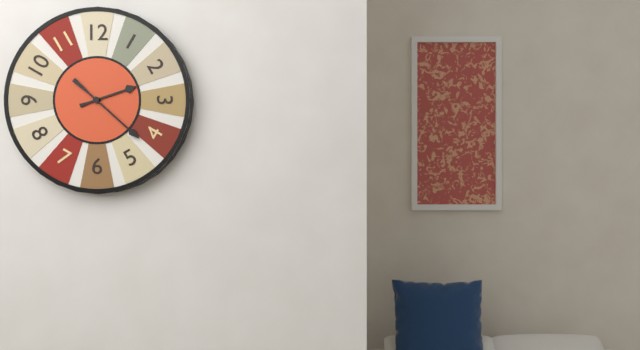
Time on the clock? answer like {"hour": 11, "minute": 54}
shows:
{"hour": 2, "minute": 22}
